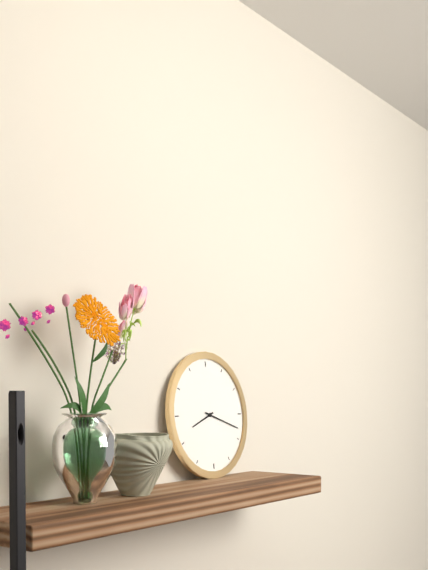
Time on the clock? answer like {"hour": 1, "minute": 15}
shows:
{"hour": 8, "minute": 18}
